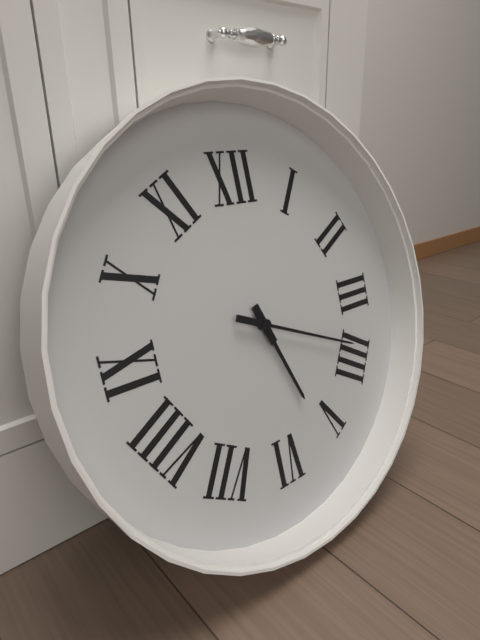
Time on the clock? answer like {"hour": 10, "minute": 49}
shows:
{"hour": 5, "minute": 19}
